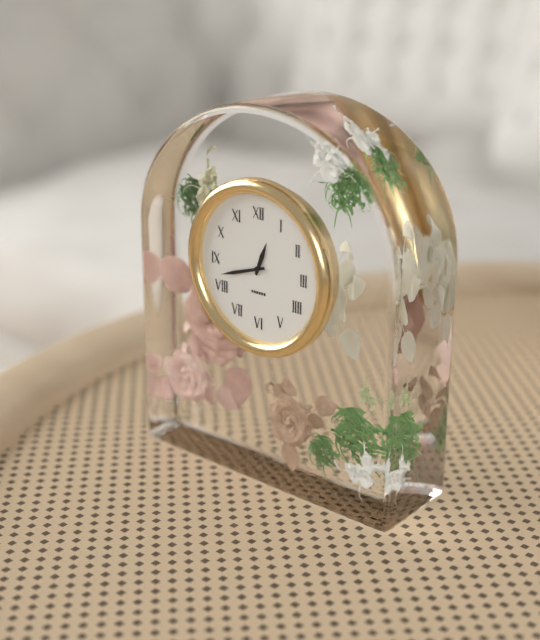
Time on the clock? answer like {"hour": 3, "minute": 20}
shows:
{"hour": 12, "minute": 42}
